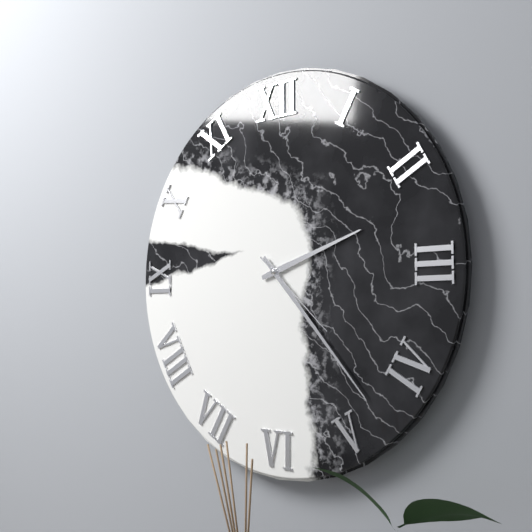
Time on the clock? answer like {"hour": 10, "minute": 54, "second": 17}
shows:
{"hour": 2, "minute": 23, "second": 22}
